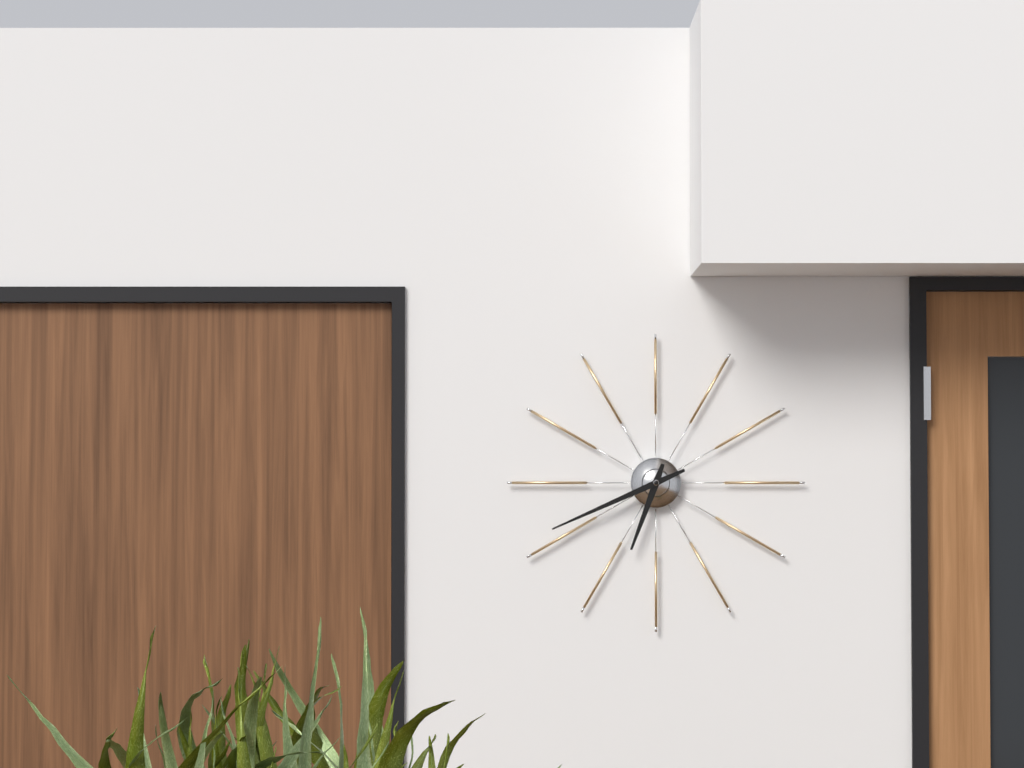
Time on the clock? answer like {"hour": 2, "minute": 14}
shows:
{"hour": 6, "minute": 41}
